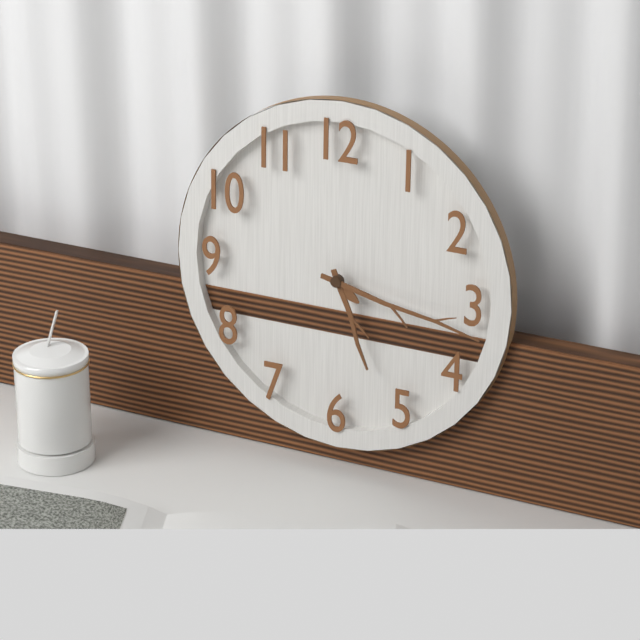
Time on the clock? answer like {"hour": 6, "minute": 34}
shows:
{"hour": 5, "minute": 17}
